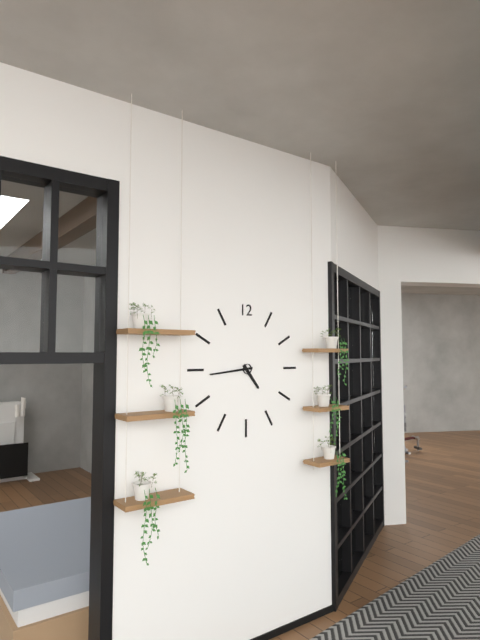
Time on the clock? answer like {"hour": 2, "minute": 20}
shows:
{"hour": 4, "minute": 44}
